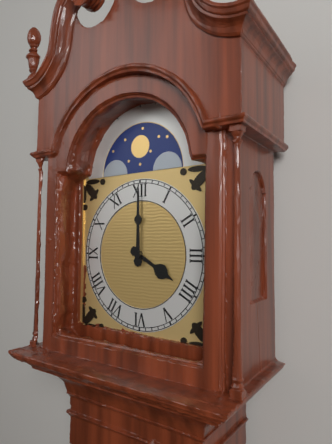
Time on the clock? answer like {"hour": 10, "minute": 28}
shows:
{"hour": 4, "minute": 0}
